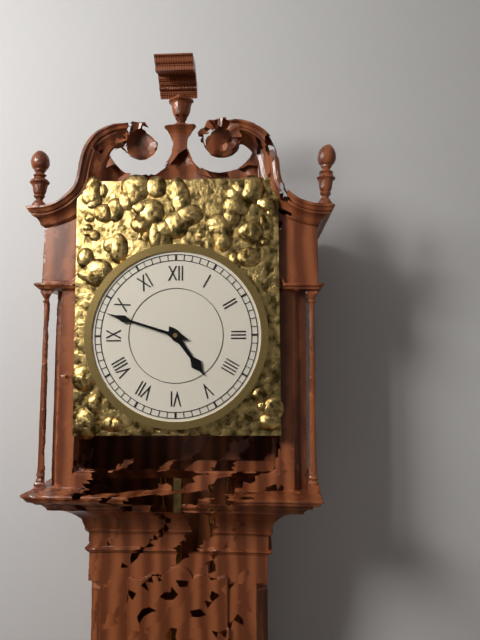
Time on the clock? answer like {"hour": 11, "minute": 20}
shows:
{"hour": 4, "minute": 48}
